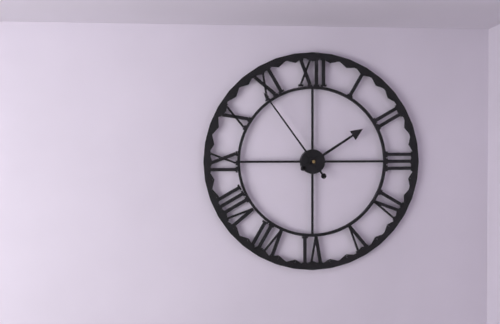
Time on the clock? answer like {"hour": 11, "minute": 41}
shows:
{"hour": 1, "minute": 54}
